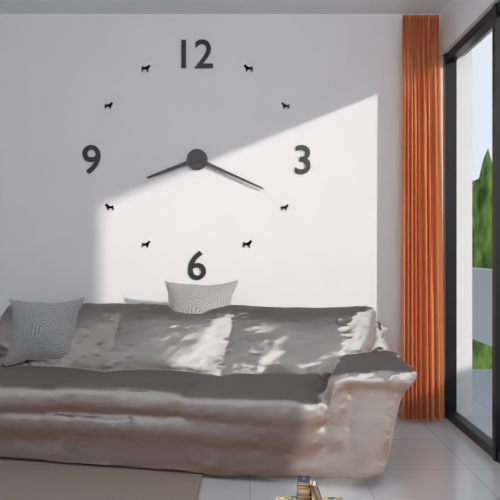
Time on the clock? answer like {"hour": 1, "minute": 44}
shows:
{"hour": 8, "minute": 19}
